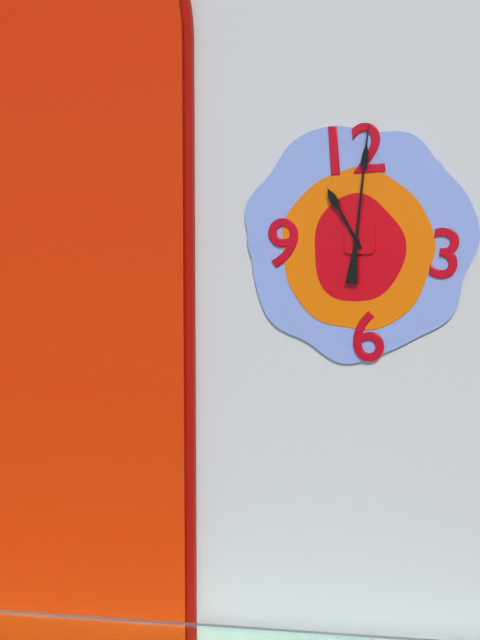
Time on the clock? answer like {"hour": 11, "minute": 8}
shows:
{"hour": 11, "minute": 1}
